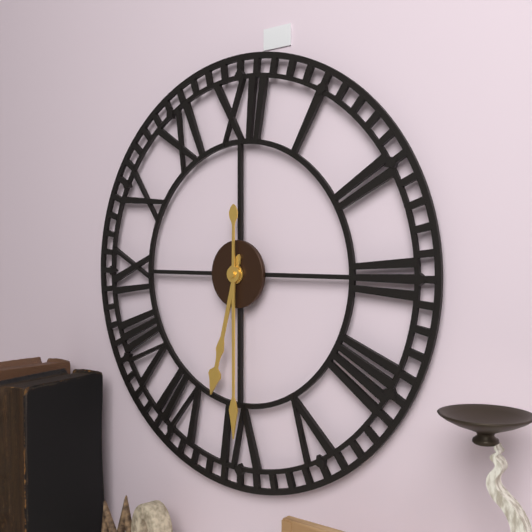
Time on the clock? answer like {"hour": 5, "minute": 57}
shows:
{"hour": 6, "minute": 30}
